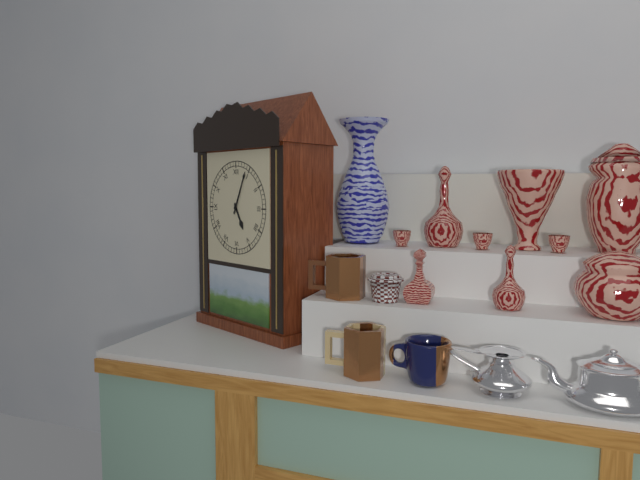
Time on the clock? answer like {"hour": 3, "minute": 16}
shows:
{"hour": 5, "minute": 4}
